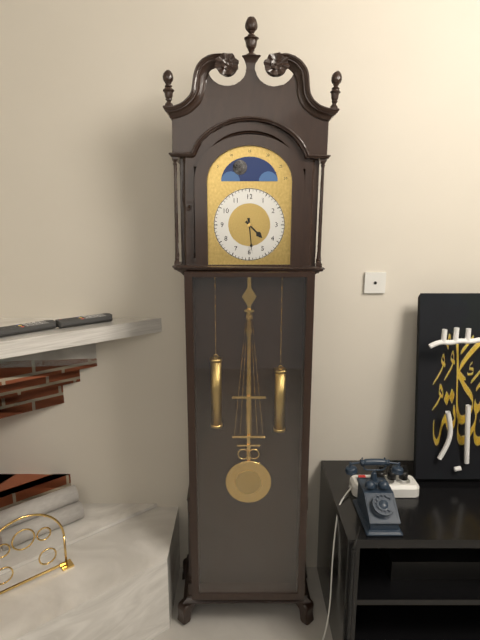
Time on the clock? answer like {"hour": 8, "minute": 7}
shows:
{"hour": 4, "minute": 29}
